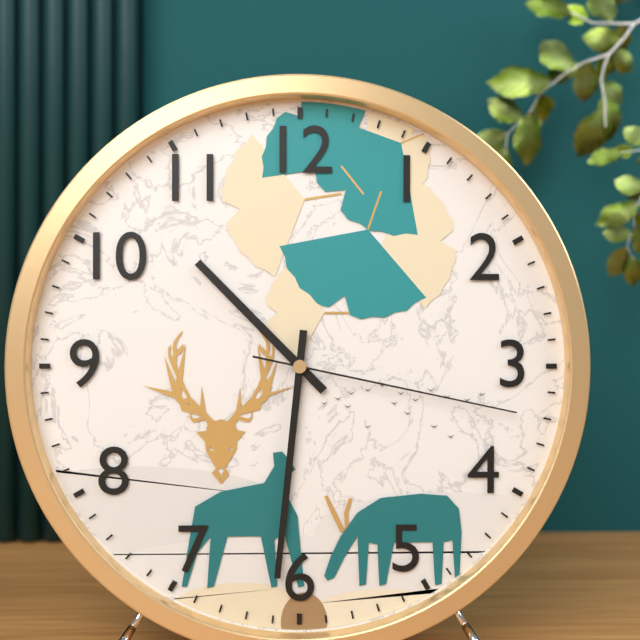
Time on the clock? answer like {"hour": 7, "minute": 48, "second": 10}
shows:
{"hour": 10, "minute": 31, "second": 17}
